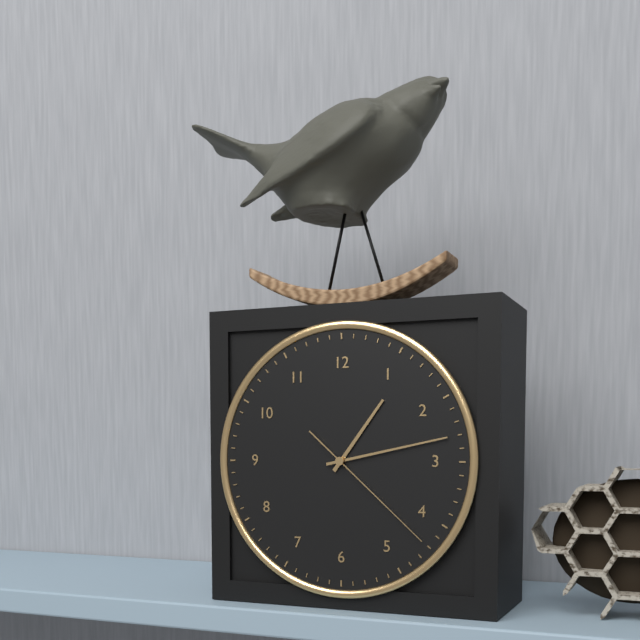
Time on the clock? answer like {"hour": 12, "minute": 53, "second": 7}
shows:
{"hour": 1, "minute": 13, "second": 22}
